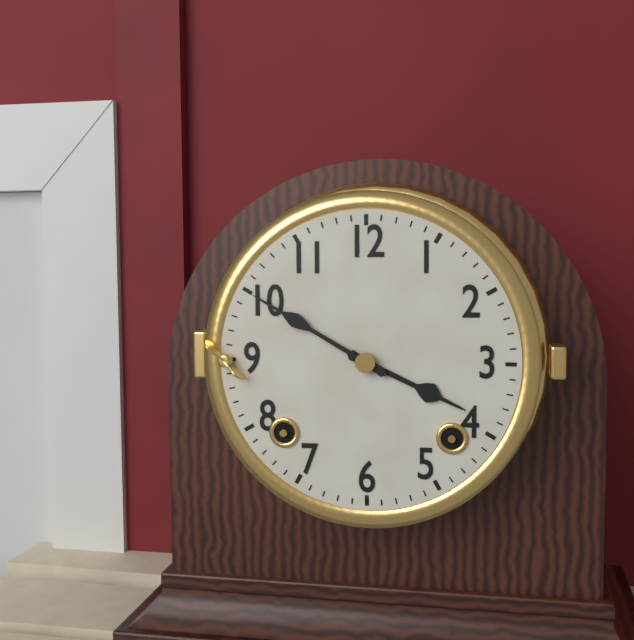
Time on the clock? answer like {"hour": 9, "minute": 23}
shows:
{"hour": 3, "minute": 50}
